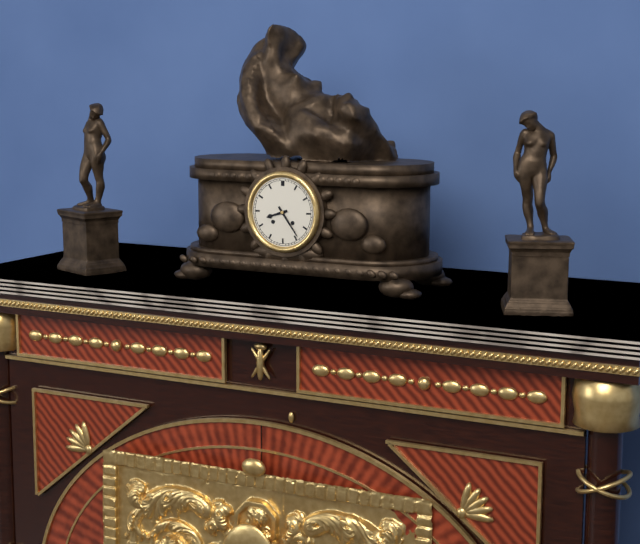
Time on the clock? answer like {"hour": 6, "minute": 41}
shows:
{"hour": 8, "minute": 24}
